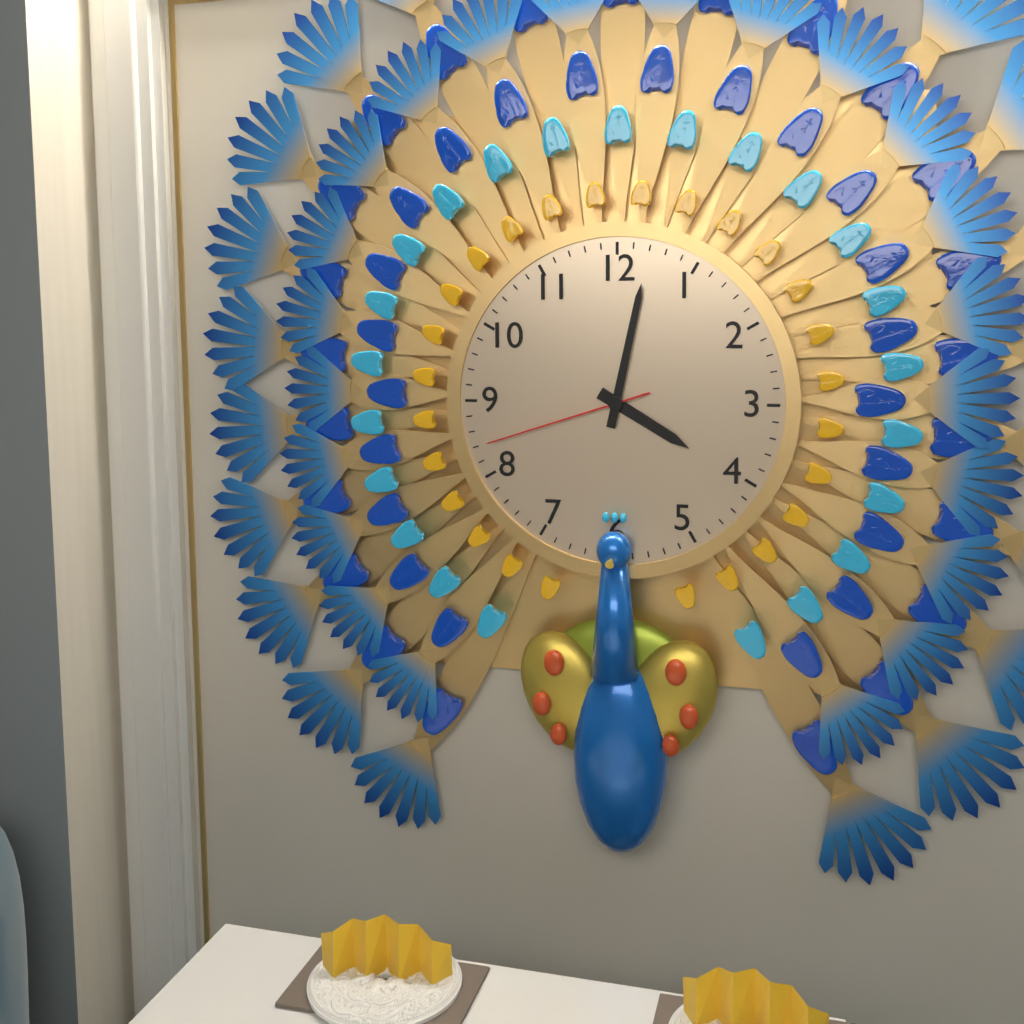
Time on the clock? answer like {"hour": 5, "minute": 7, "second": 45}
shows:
{"hour": 4, "minute": 2, "second": 42}
